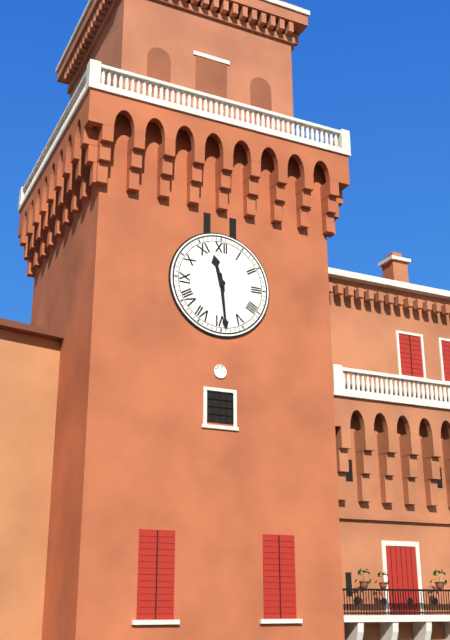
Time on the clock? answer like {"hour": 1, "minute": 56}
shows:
{"hour": 11, "minute": 29}
